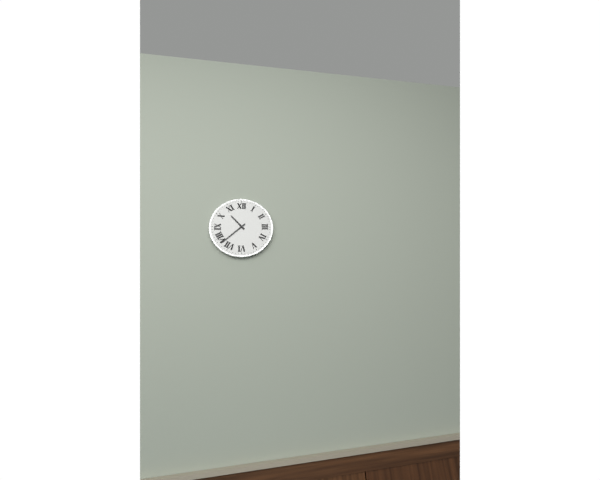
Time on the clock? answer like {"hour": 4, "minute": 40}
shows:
{"hour": 10, "minute": 38}
